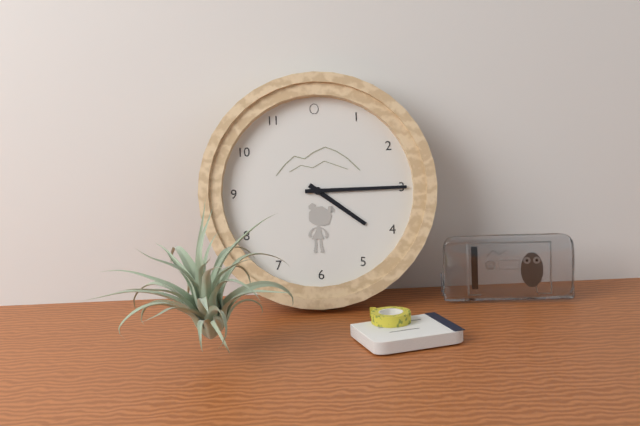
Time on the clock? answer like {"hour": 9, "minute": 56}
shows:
{"hour": 4, "minute": 15}
